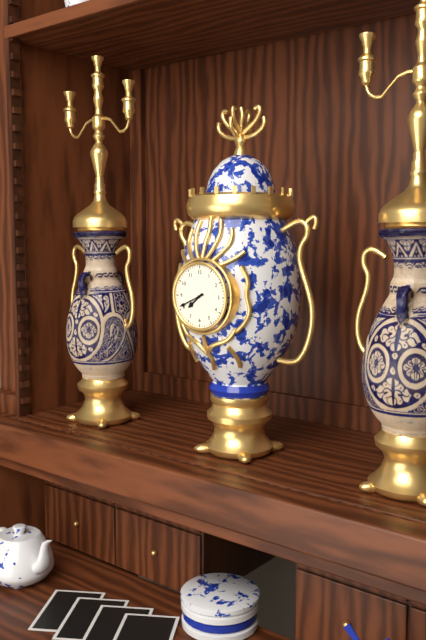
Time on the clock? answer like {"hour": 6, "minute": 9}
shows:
{"hour": 7, "minute": 41}
